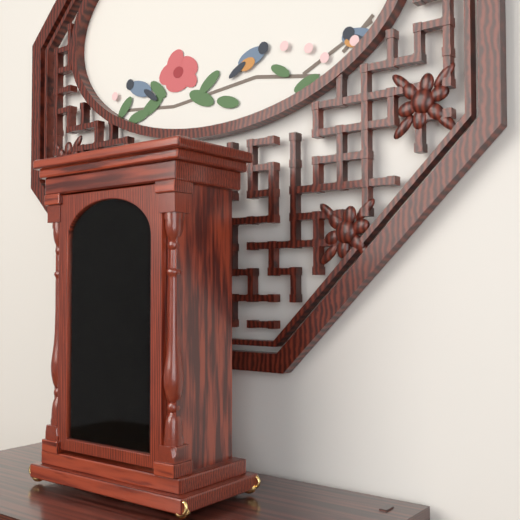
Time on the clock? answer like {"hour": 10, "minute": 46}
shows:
{"hour": 1, "minute": 36}
